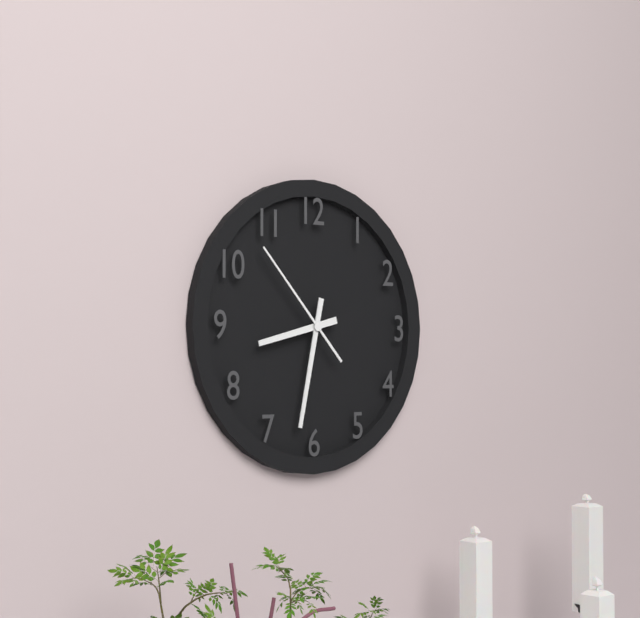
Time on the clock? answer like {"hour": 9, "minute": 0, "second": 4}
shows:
{"hour": 8, "minute": 32, "second": 53}
